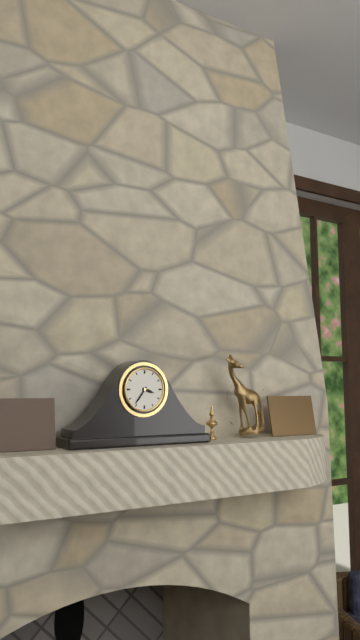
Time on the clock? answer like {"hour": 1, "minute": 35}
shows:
{"hour": 3, "minute": 36}
